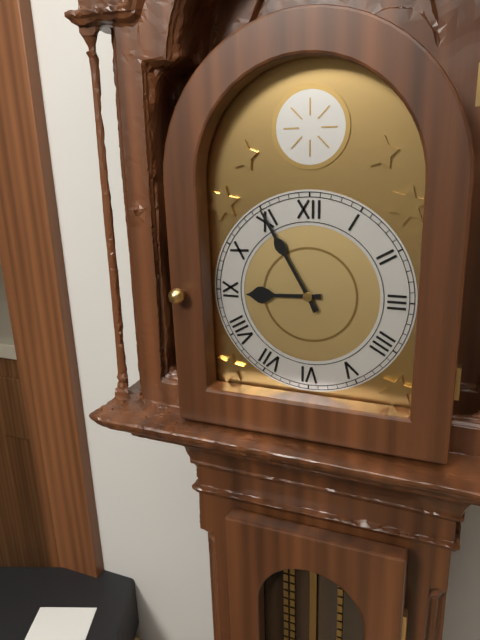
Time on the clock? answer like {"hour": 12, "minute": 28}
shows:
{"hour": 8, "minute": 55}
